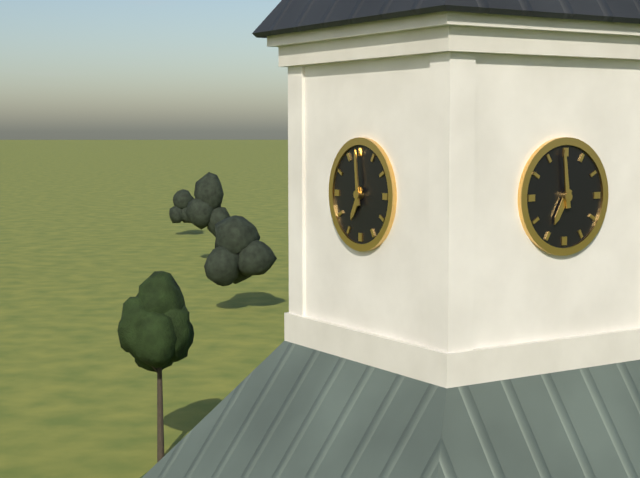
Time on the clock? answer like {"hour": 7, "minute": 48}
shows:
{"hour": 6, "minute": 59}
